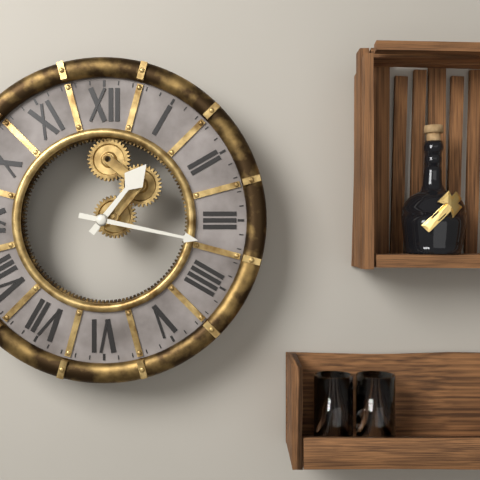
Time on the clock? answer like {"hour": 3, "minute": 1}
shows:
{"hour": 1, "minute": 17}
